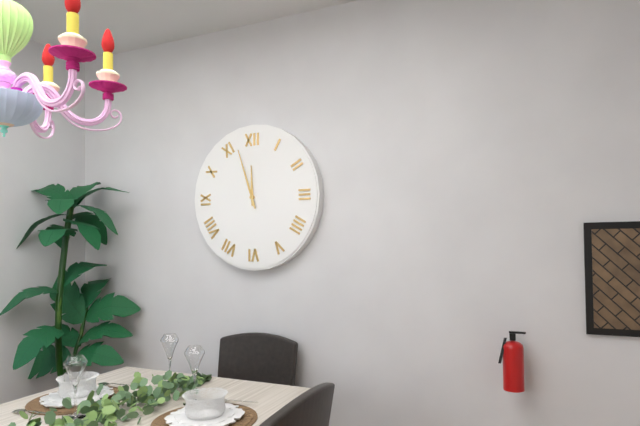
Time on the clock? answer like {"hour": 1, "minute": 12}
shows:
{"hour": 11, "minute": 57}
